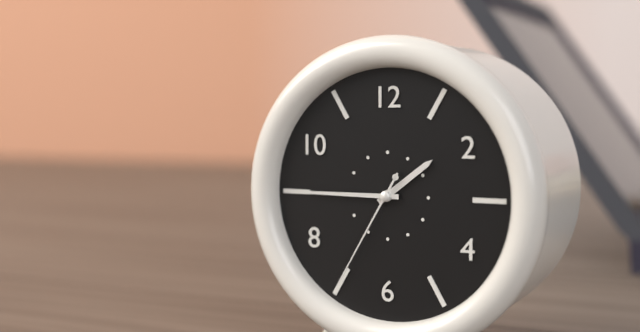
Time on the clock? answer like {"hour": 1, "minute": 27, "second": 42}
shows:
{"hour": 1, "minute": 45, "second": 35}
